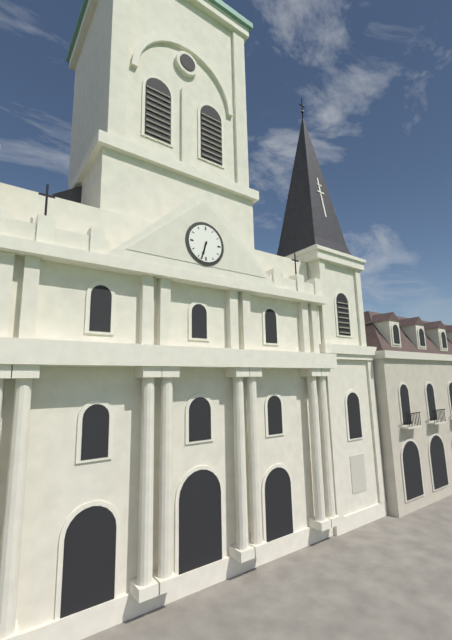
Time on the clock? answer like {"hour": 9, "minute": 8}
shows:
{"hour": 6, "minute": 33}
